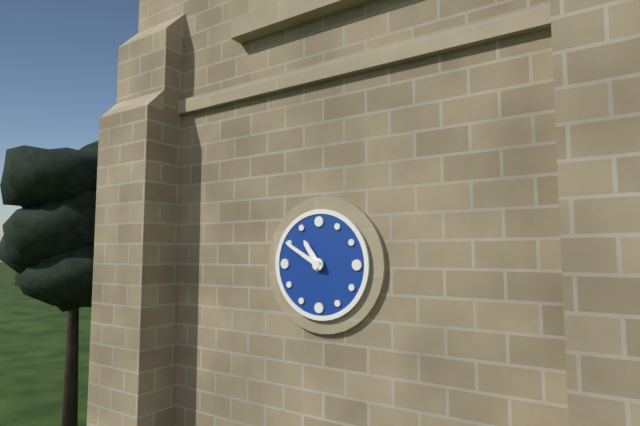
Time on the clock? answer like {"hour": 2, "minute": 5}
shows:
{"hour": 10, "minute": 50}
